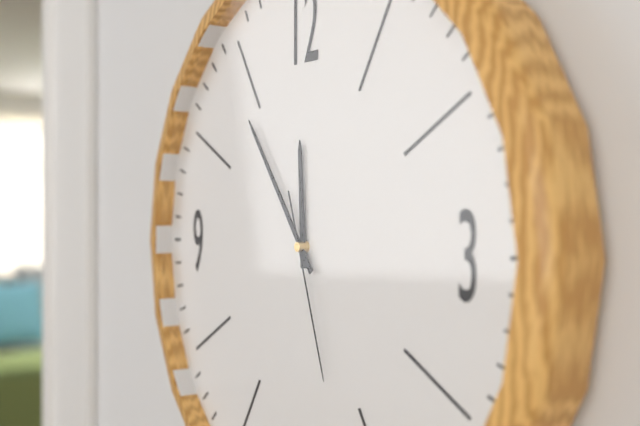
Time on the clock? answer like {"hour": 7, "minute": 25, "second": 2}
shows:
{"hour": 11, "minute": 54, "second": 27}
